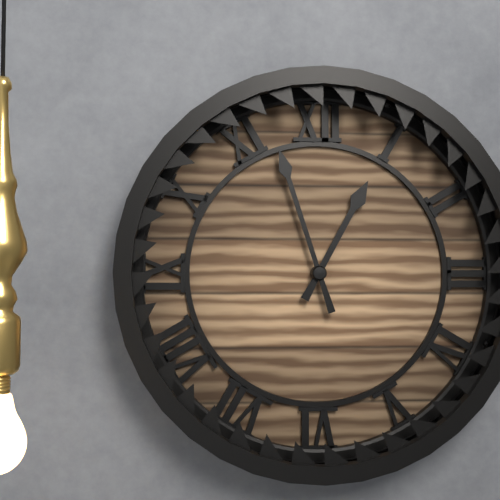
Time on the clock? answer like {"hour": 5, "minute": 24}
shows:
{"hour": 12, "minute": 57}
